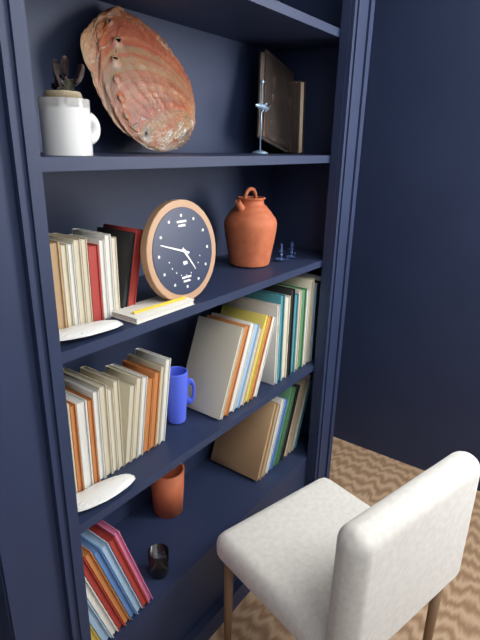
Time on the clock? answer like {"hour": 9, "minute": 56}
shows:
{"hour": 4, "minute": 48}
